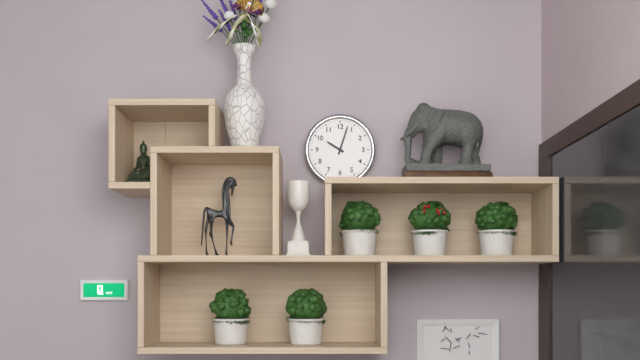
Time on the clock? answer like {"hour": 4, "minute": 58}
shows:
{"hour": 10, "minute": 3}
